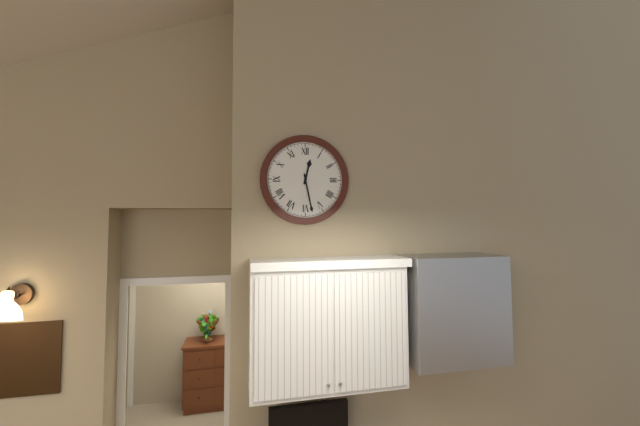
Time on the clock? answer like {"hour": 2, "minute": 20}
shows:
{"hour": 12, "minute": 28}
